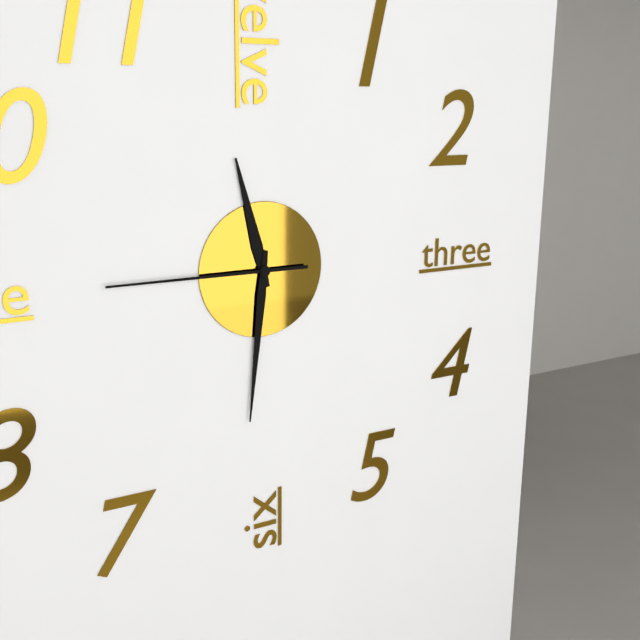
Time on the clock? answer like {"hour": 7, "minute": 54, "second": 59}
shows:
{"hour": 11, "minute": 31, "second": 45}
